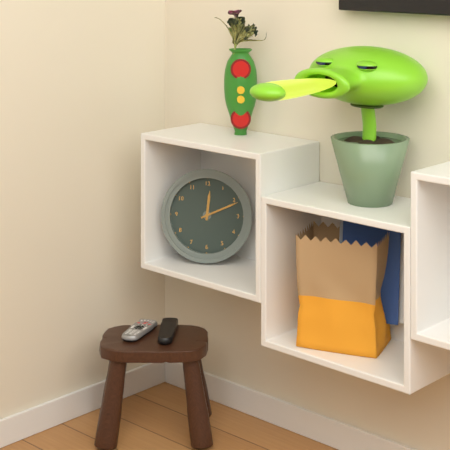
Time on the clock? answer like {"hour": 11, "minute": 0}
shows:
{"hour": 12, "minute": 11}
